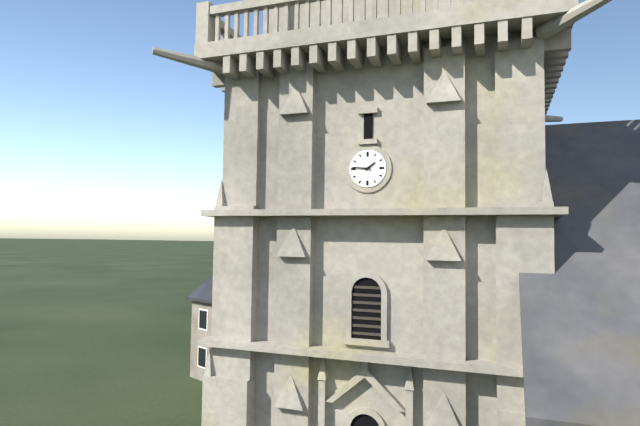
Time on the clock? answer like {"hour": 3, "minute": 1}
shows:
{"hour": 1, "minute": 46}
